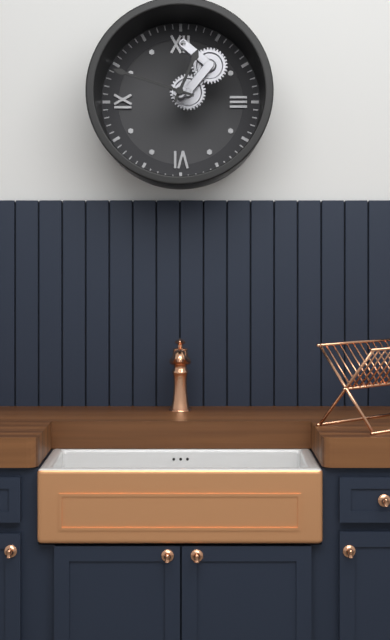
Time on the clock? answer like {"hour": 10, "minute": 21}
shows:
{"hour": 12, "minute": 48}
